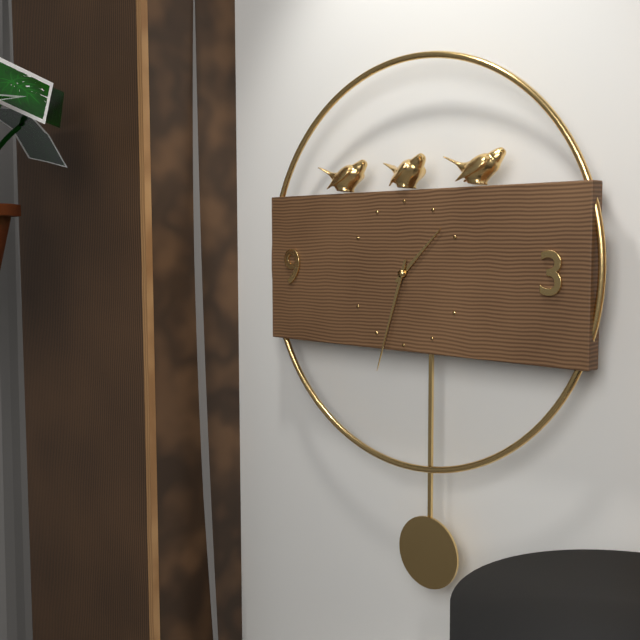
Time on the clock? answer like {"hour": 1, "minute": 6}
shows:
{"hour": 1, "minute": 33}
